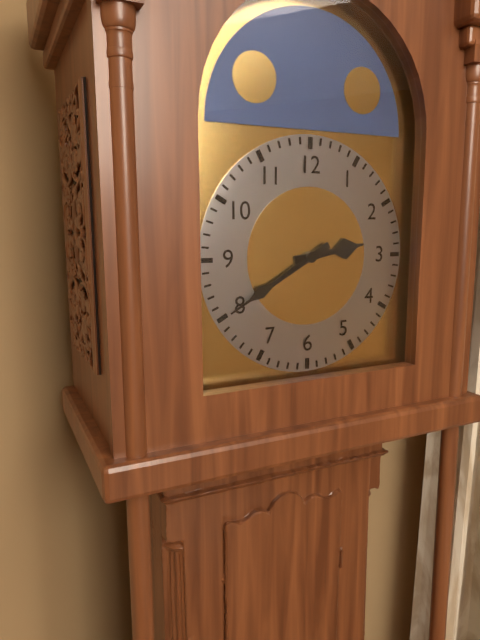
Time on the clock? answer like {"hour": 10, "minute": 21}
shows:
{"hour": 2, "minute": 40}
